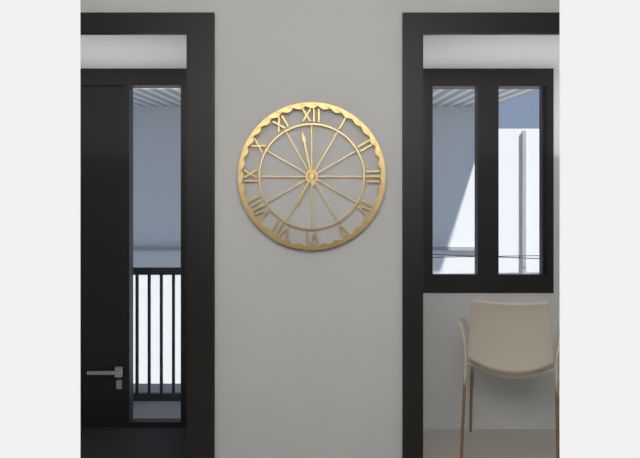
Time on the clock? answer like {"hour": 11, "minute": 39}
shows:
{"hour": 6, "minute": 58}
